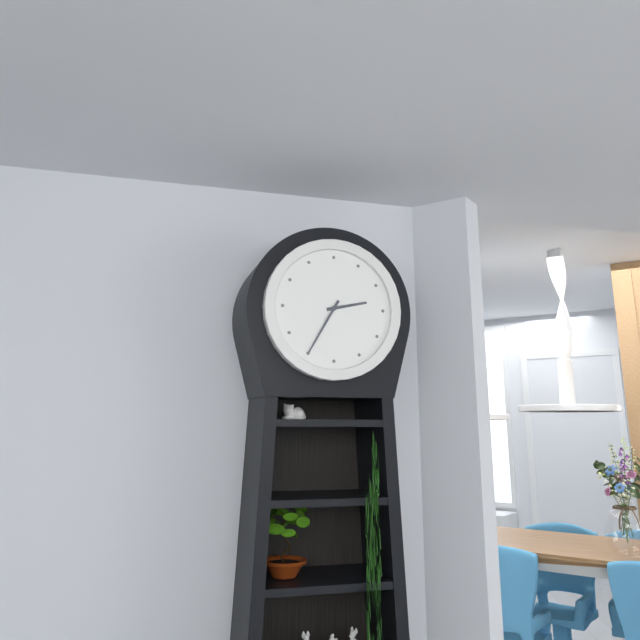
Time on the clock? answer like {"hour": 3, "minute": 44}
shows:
{"hour": 2, "minute": 35}
